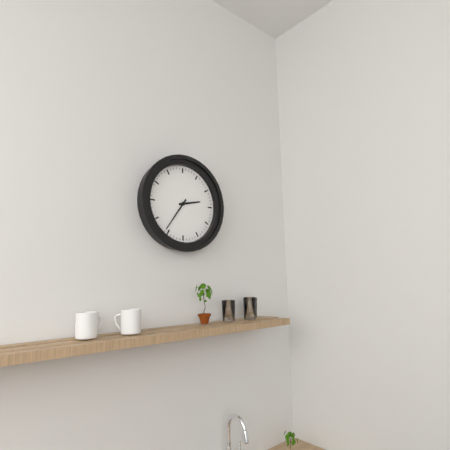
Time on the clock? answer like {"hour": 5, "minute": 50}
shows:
{"hour": 2, "minute": 36}
